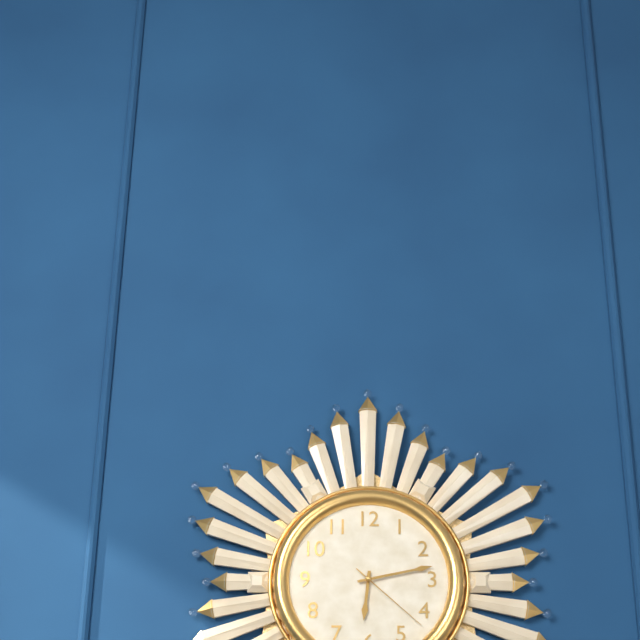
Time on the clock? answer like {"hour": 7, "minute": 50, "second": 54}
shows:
{"hour": 6, "minute": 13, "second": 22}
